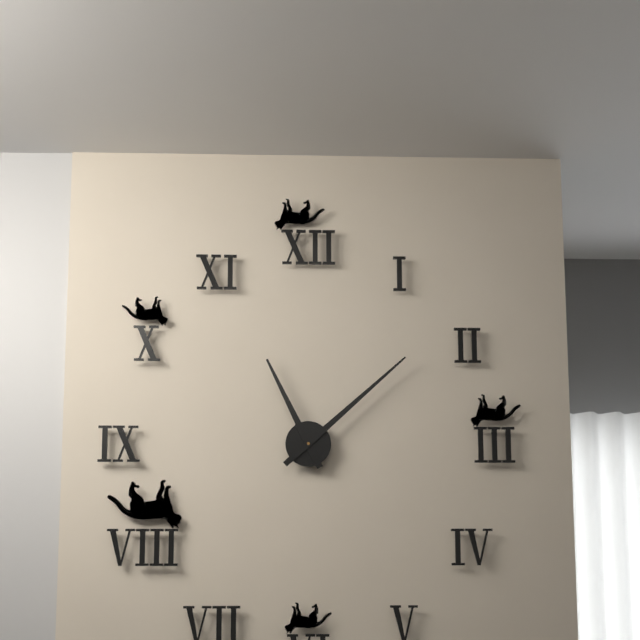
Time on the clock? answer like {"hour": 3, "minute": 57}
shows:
{"hour": 11, "minute": 8}
